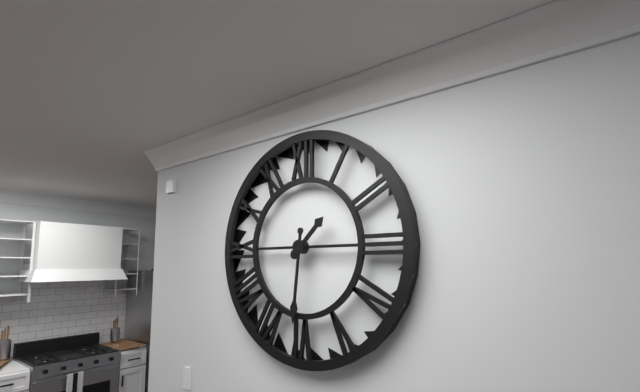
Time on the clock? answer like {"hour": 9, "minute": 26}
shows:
{"hour": 1, "minute": 31}
